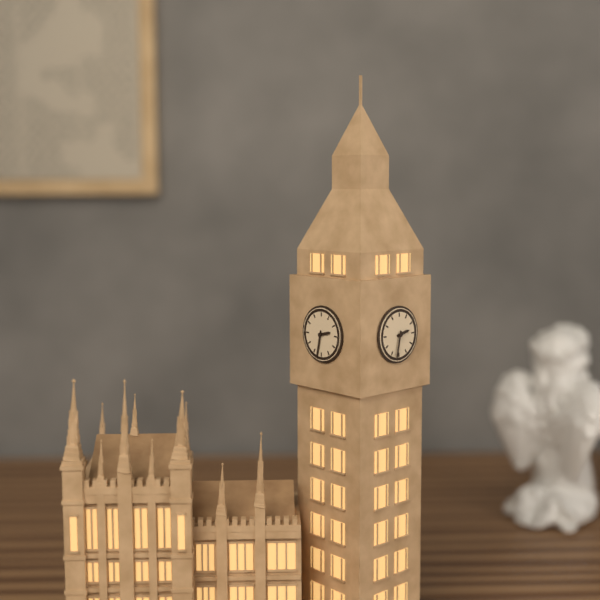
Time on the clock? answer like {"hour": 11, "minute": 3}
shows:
{"hour": 2, "minute": 32}
